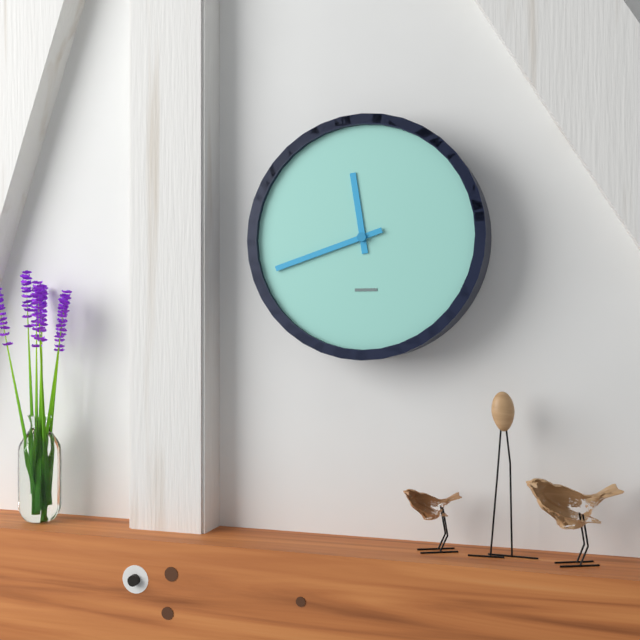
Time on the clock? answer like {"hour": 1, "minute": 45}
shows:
{"hour": 11, "minute": 42}
